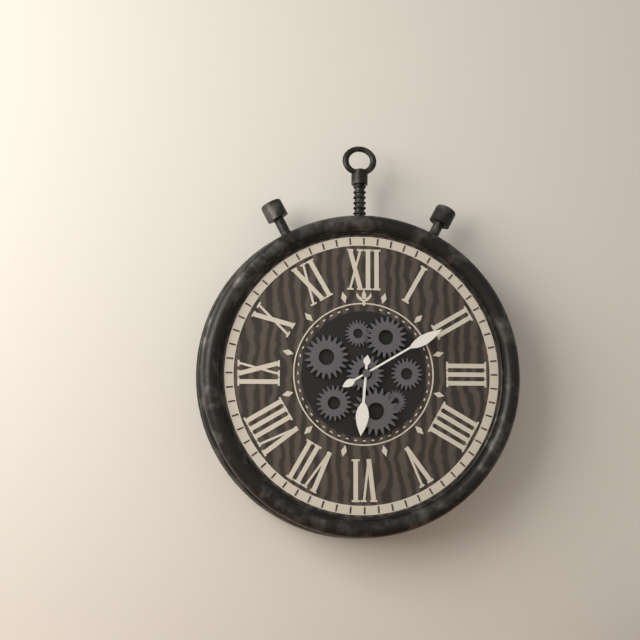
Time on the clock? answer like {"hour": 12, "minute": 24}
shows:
{"hour": 6, "minute": 10}
